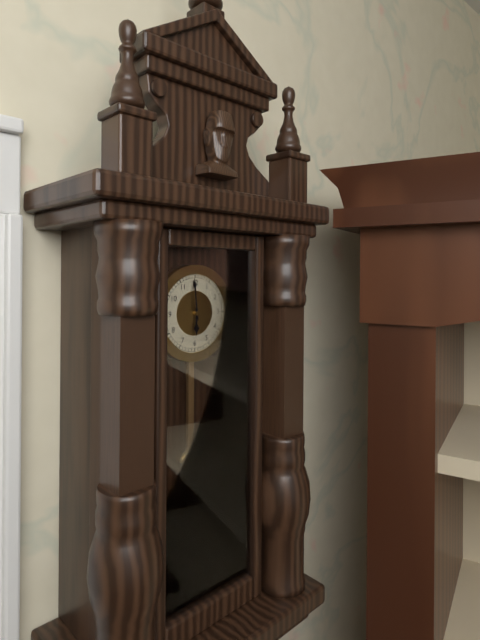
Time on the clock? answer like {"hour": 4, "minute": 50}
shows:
{"hour": 5, "minute": 59}
